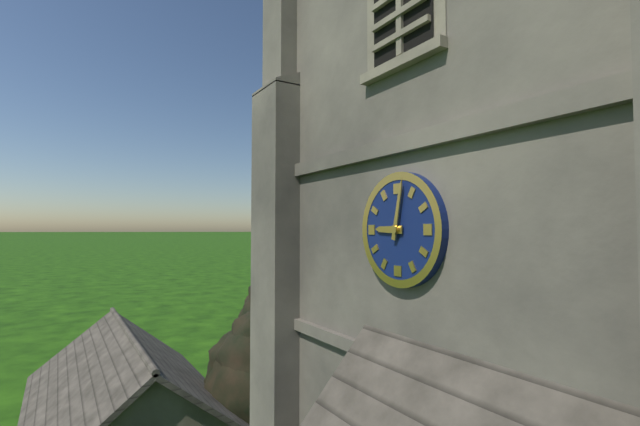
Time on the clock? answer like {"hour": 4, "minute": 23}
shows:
{"hour": 9, "minute": 2}
